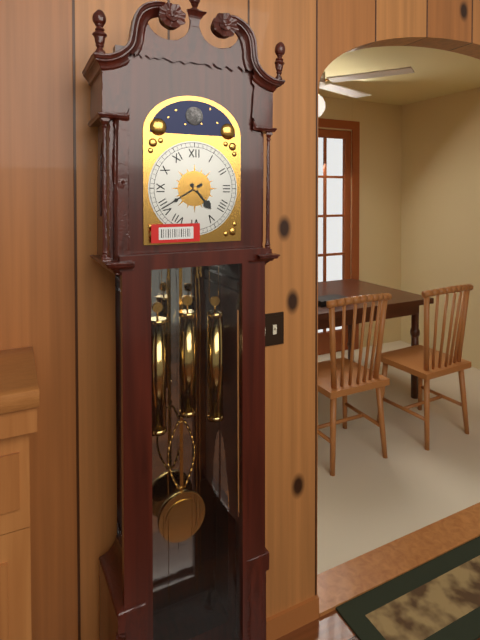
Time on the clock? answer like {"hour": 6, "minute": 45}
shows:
{"hour": 4, "minute": 40}
